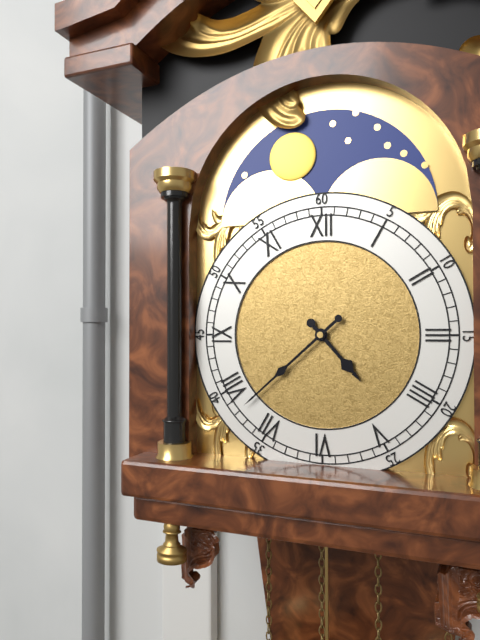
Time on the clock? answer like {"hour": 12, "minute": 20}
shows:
{"hour": 4, "minute": 38}
